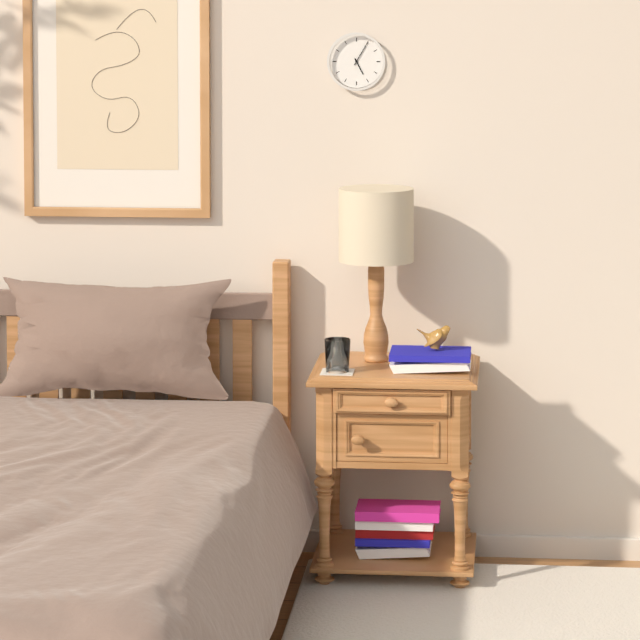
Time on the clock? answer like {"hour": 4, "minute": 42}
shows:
{"hour": 5, "minute": 5}
